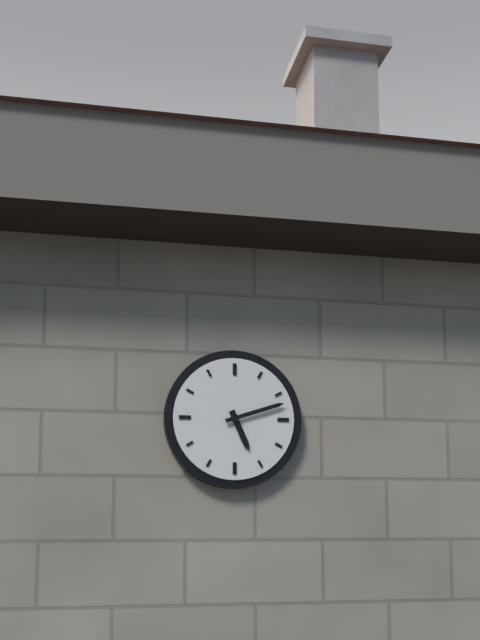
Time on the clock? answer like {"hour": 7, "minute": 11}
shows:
{"hour": 5, "minute": 12}
